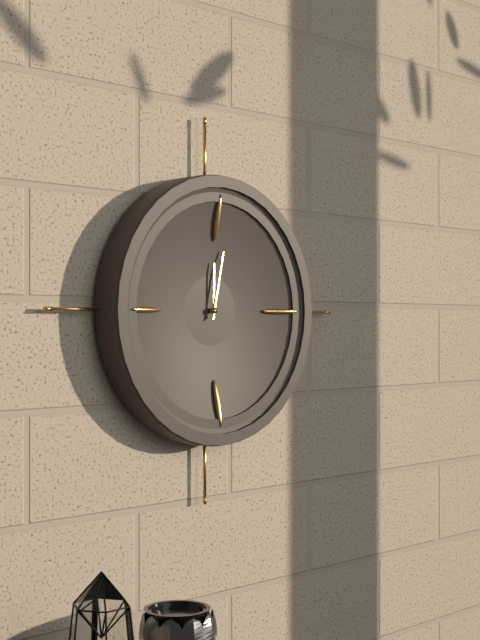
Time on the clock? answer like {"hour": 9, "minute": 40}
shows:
{"hour": 12, "minute": 2}
